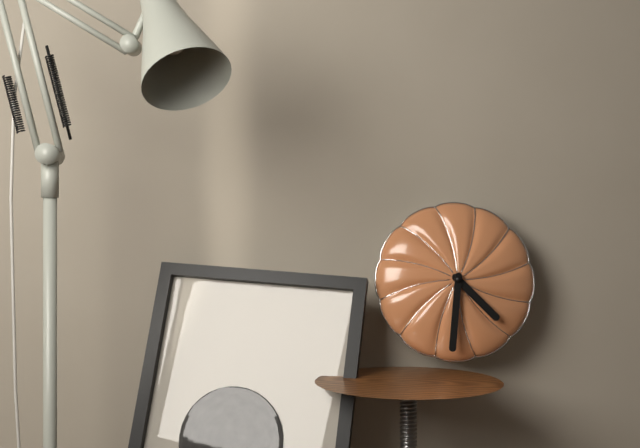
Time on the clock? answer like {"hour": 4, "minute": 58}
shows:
{"hour": 4, "minute": 31}
